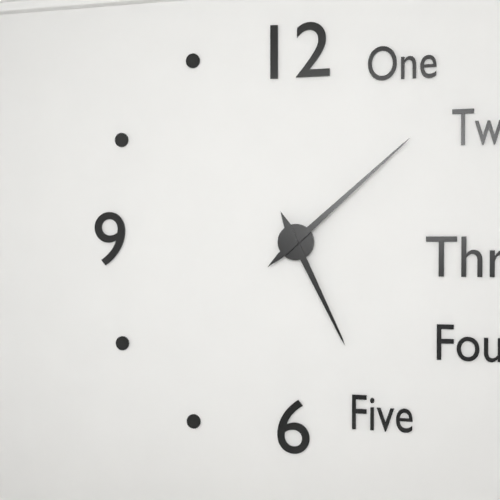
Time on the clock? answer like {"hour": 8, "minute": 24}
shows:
{"hour": 5, "minute": 8}
